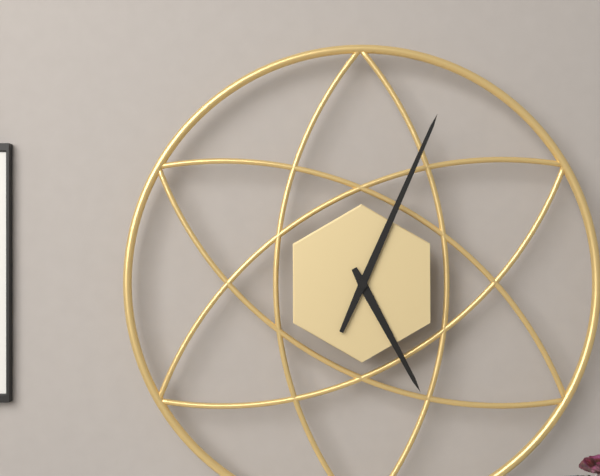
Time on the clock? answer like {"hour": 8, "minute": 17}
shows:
{"hour": 5, "minute": 4}
